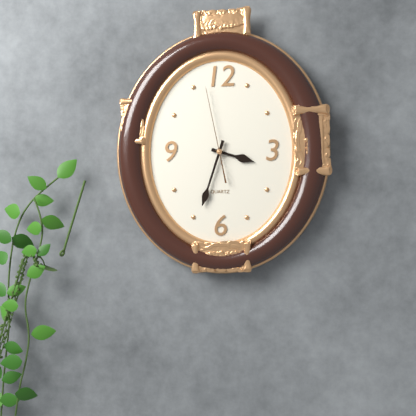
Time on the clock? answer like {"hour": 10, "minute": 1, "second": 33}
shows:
{"hour": 3, "minute": 33, "second": 58}
